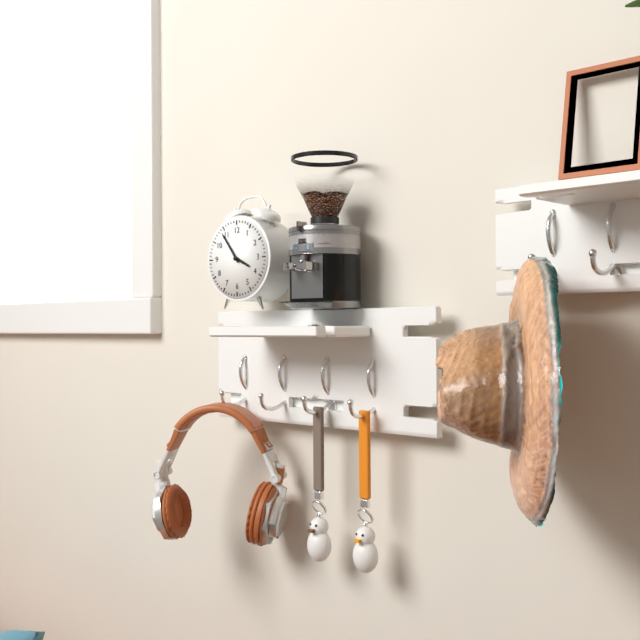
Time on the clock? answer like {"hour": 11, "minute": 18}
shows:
{"hour": 3, "minute": 54}
